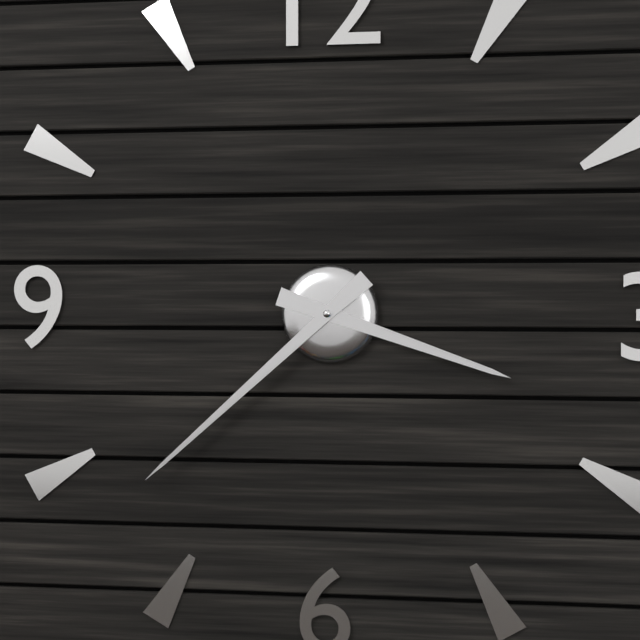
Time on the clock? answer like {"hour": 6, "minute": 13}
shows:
{"hour": 3, "minute": 38}
